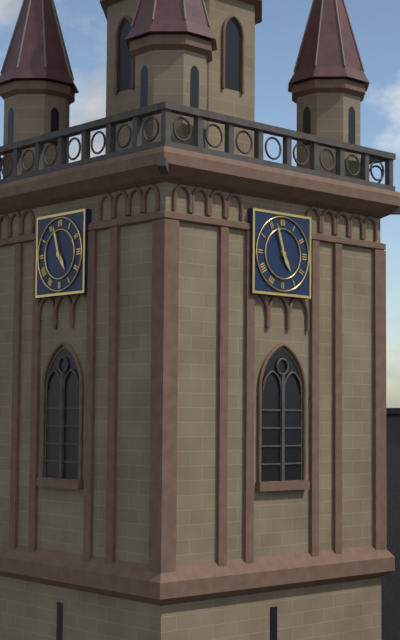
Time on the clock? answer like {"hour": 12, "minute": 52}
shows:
{"hour": 4, "minute": 57}
